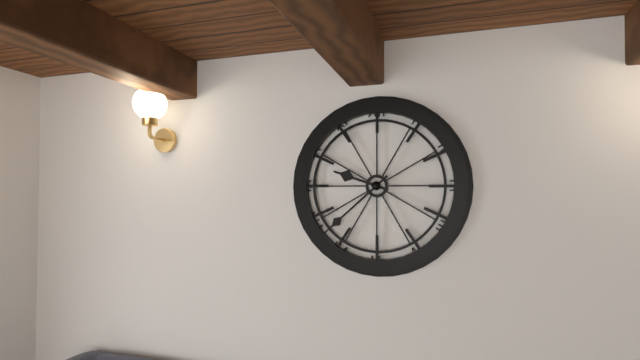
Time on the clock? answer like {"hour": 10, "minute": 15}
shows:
{"hour": 9, "minute": 38}
